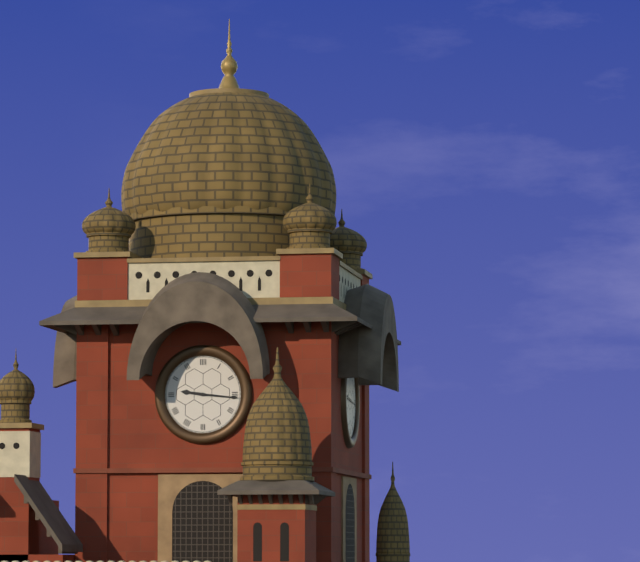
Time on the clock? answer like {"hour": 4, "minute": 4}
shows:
{"hour": 9, "minute": 16}
